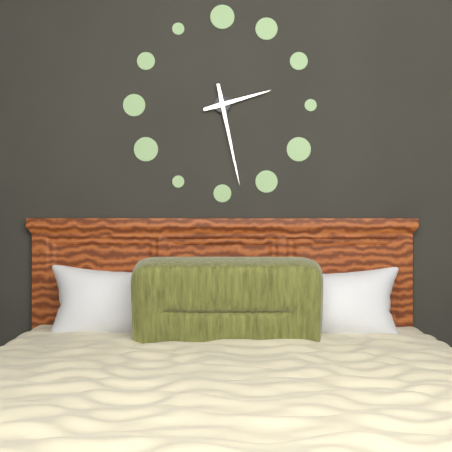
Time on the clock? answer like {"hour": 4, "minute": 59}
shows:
{"hour": 2, "minute": 28}
